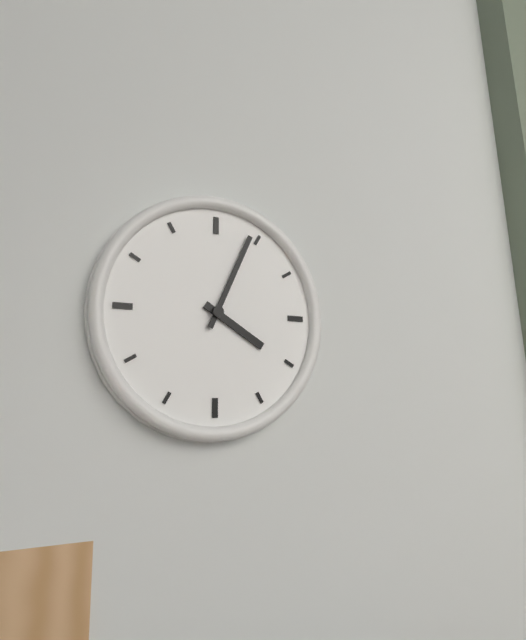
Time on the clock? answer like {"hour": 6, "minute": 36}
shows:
{"hour": 4, "minute": 4}
